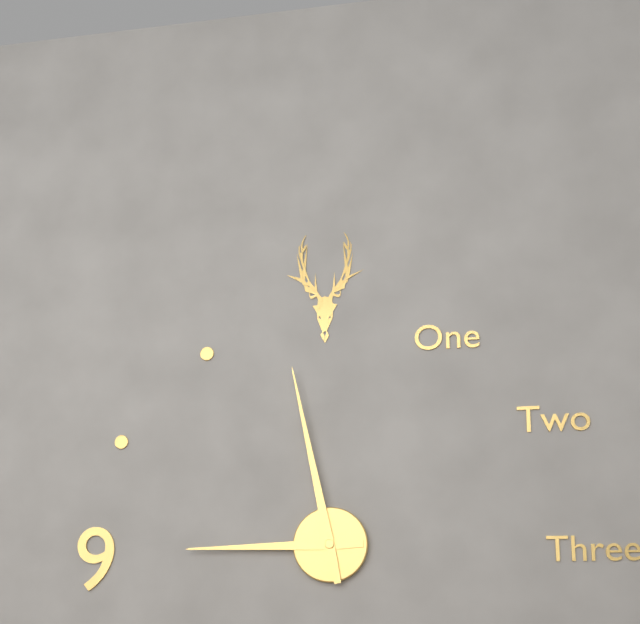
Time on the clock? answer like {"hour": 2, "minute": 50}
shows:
{"hour": 8, "minute": 58}
